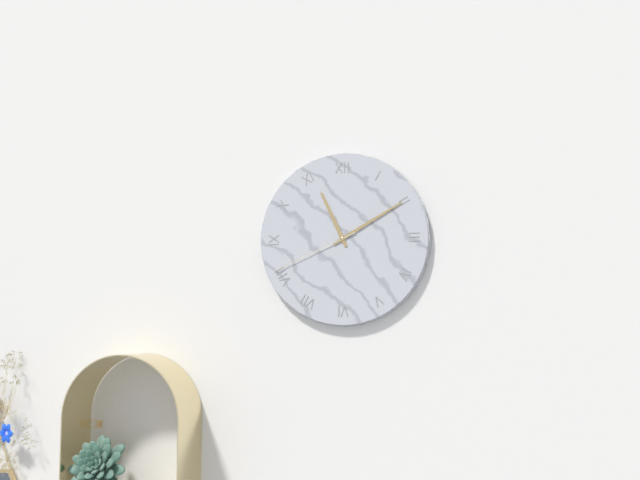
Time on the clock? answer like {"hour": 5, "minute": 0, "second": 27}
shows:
{"hour": 11, "minute": 10, "second": 41}
